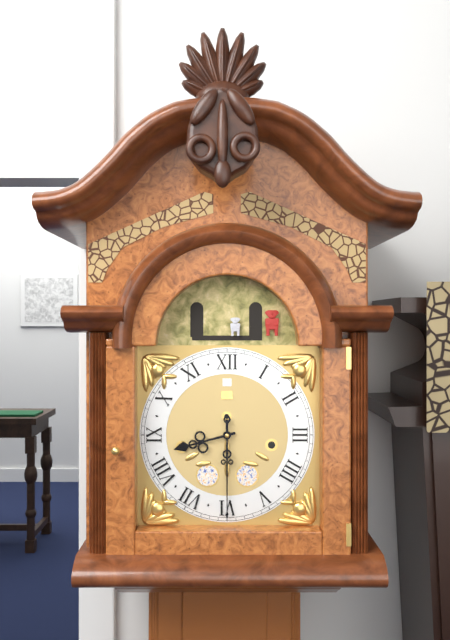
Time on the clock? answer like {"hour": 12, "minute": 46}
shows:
{"hour": 8, "minute": 30}
